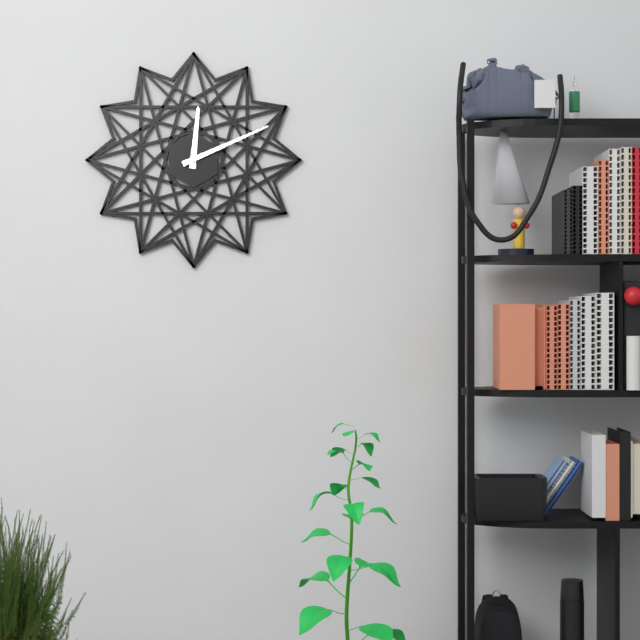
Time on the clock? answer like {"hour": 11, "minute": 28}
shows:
{"hour": 12, "minute": 11}
